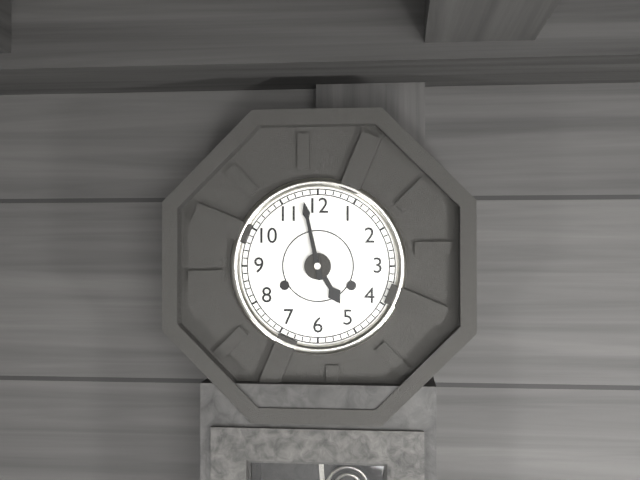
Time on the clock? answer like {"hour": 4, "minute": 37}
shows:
{"hour": 4, "minute": 58}
